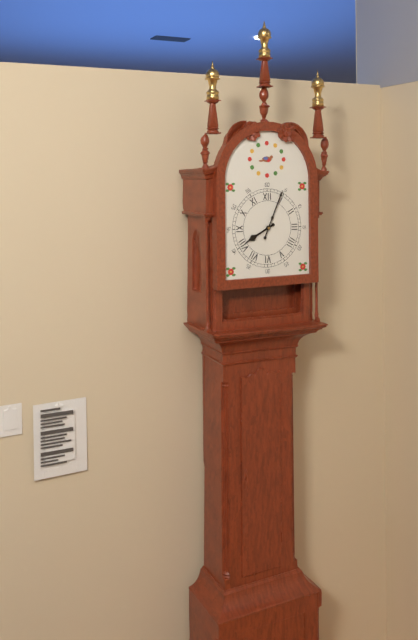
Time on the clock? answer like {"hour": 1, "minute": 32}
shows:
{"hour": 8, "minute": 4}
